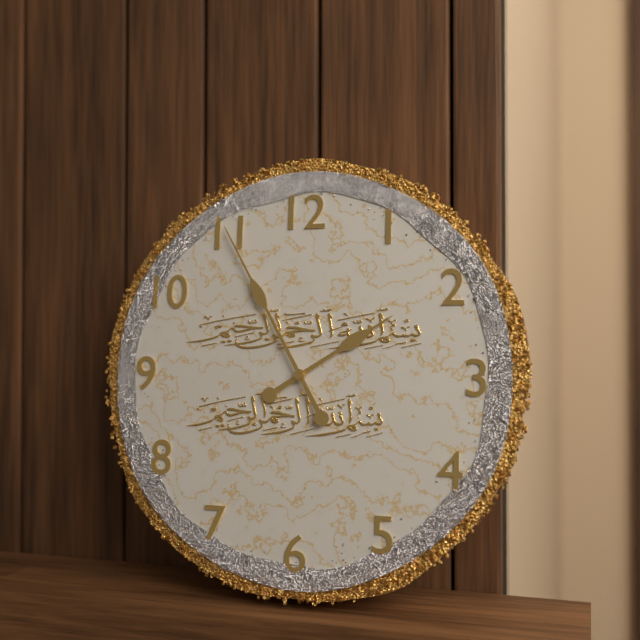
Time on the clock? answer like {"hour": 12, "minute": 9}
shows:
{"hour": 1, "minute": 55}
